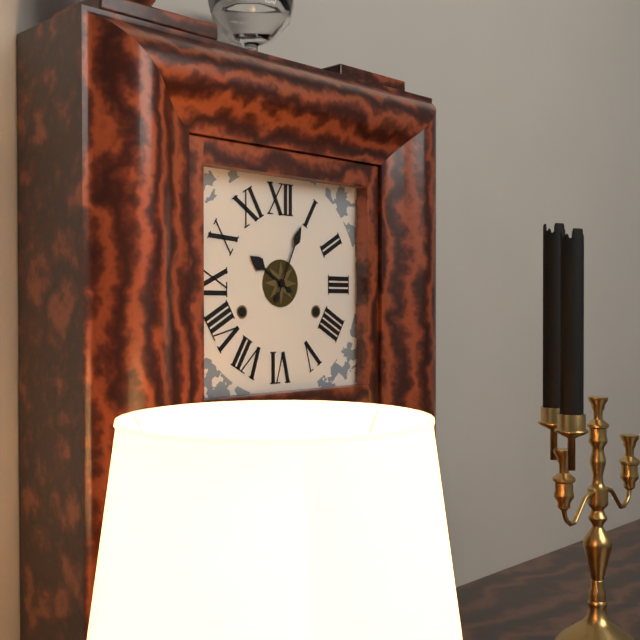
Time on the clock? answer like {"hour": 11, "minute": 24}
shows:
{"hour": 10, "minute": 4}
